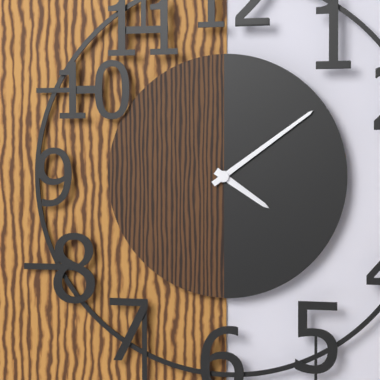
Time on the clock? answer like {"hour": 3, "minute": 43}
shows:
{"hour": 4, "minute": 9}
